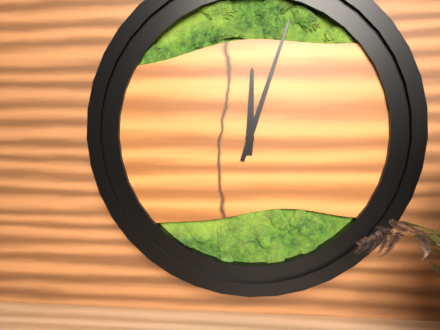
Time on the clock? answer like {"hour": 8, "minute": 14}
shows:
{"hour": 12, "minute": 3}
